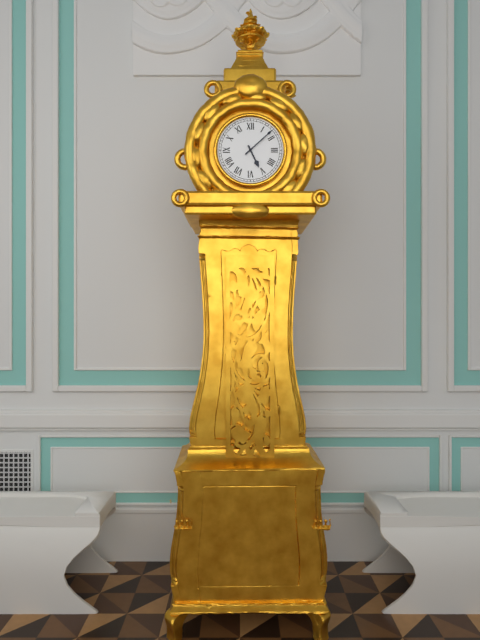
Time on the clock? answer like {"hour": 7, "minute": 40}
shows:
{"hour": 5, "minute": 8}
